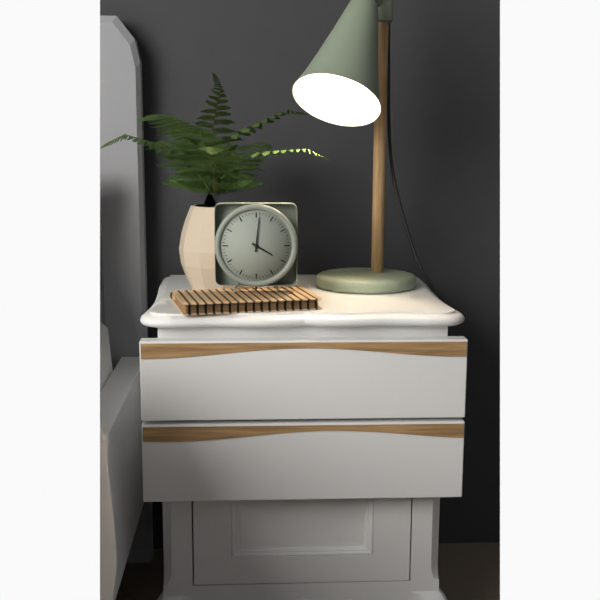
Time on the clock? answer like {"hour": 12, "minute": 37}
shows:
{"hour": 4, "minute": 1}
